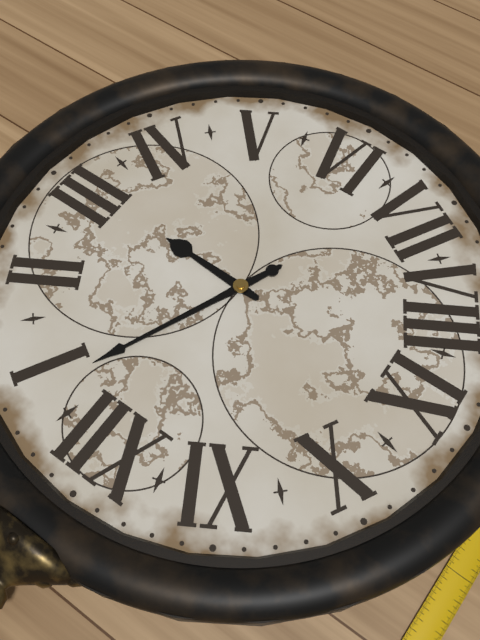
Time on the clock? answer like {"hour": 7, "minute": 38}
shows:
{"hour": 3, "minute": 4}
